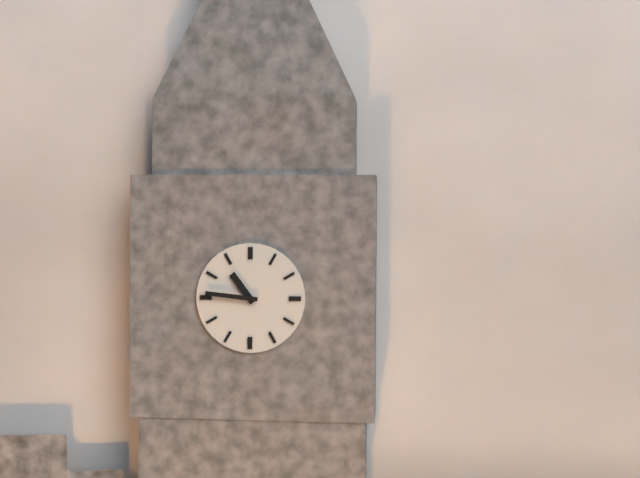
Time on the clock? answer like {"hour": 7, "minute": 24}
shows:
{"hour": 10, "minute": 46}
